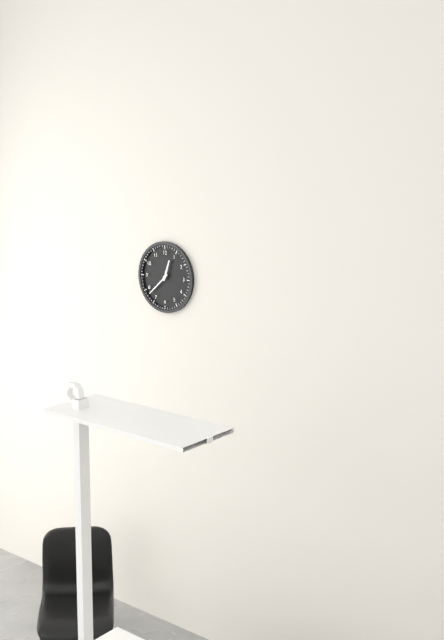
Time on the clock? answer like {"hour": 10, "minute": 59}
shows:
{"hour": 12, "minute": 38}
